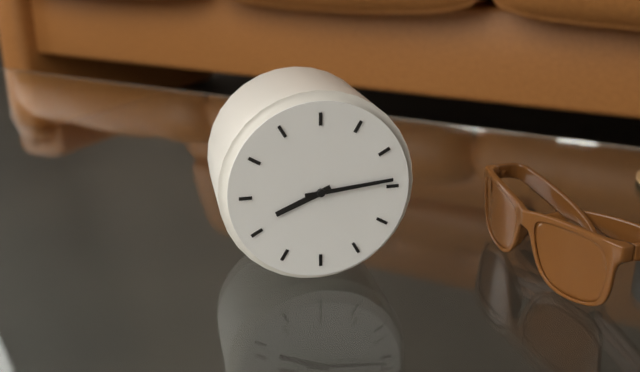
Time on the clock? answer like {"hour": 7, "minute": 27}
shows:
{"hour": 8, "minute": 14}
